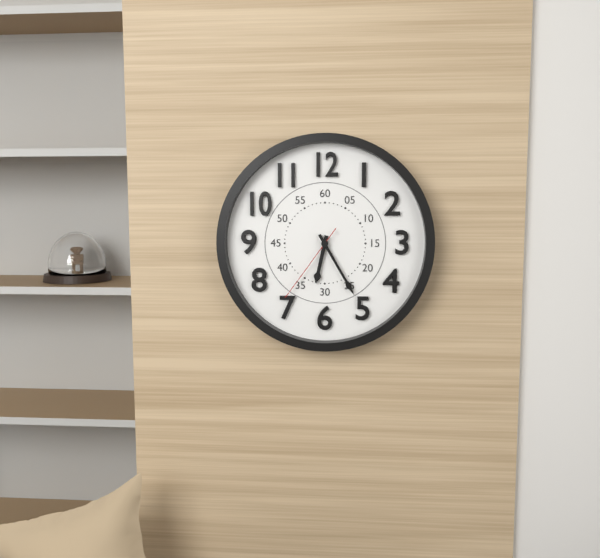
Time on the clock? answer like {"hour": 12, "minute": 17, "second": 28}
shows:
{"hour": 6, "minute": 25, "second": 36}
